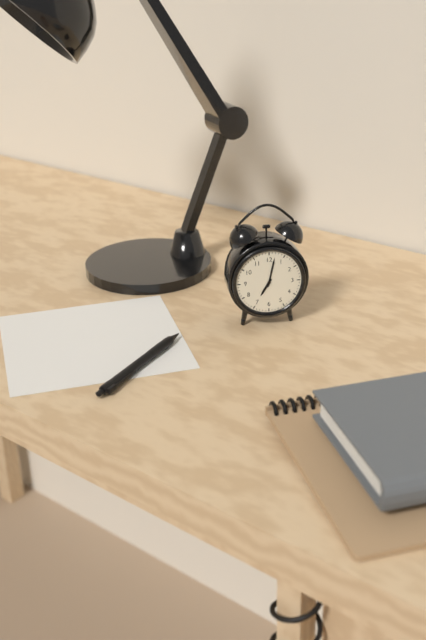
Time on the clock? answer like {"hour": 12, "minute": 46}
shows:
{"hour": 7, "minute": 2}
